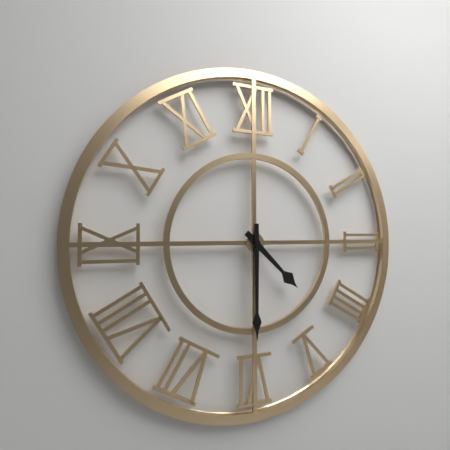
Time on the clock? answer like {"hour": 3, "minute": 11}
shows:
{"hour": 4, "minute": 30}
